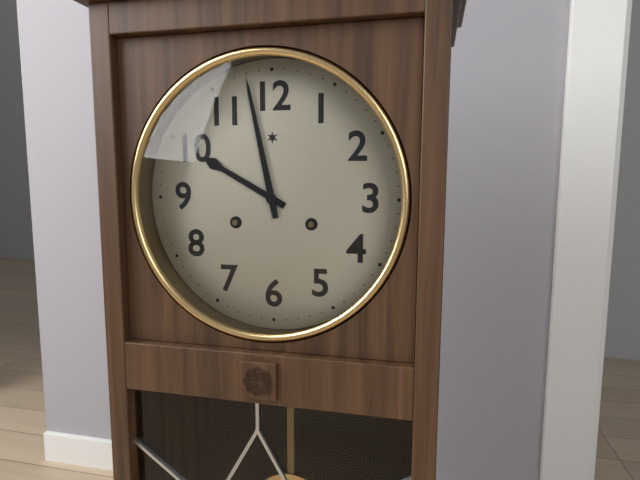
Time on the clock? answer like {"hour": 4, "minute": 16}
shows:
{"hour": 9, "minute": 58}
